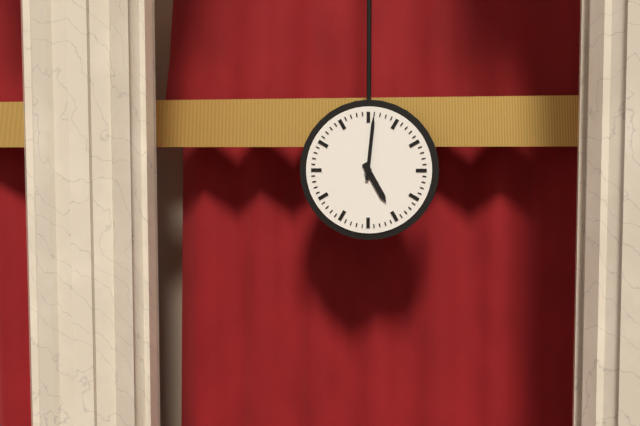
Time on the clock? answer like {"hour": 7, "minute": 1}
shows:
{"hour": 5, "minute": 1}
